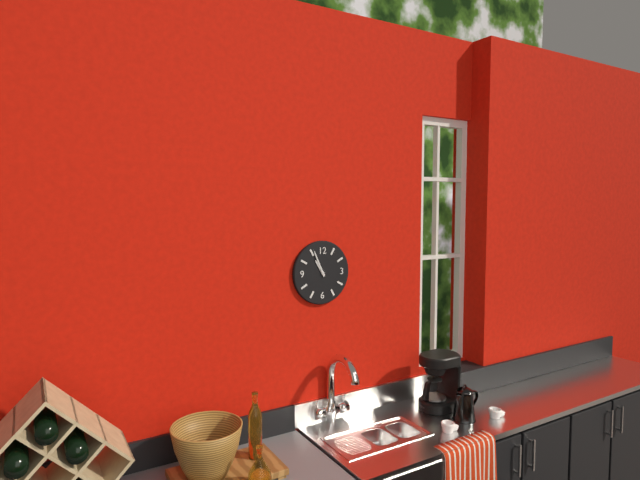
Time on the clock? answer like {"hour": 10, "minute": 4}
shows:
{"hour": 10, "minute": 56}
